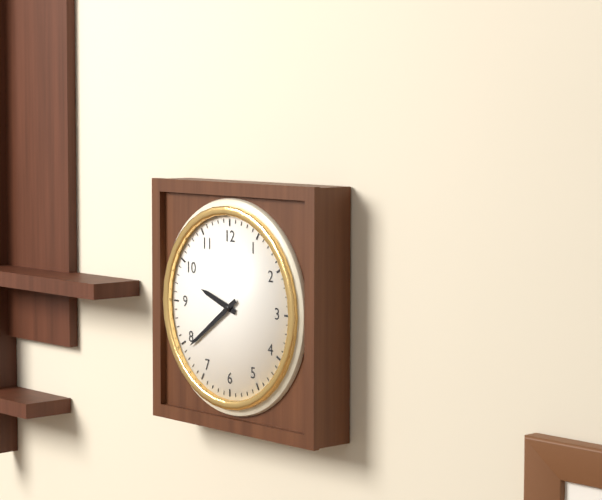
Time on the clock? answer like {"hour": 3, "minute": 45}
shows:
{"hour": 9, "minute": 39}
